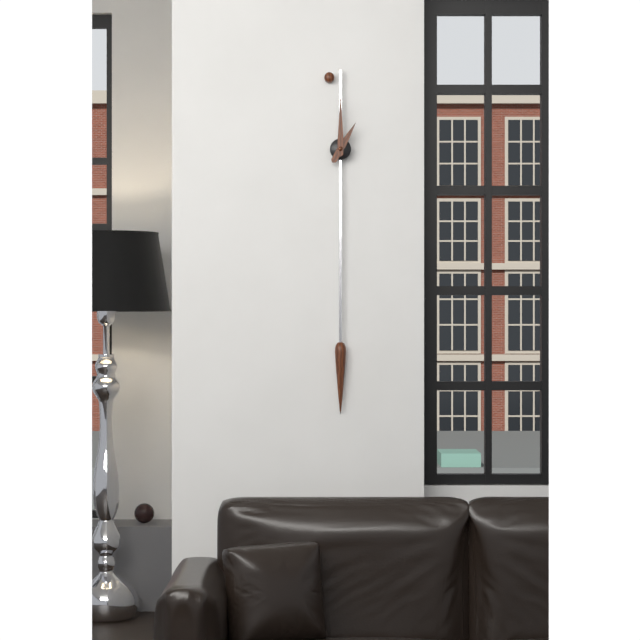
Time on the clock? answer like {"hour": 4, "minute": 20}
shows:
{"hour": 1, "minute": 0}
